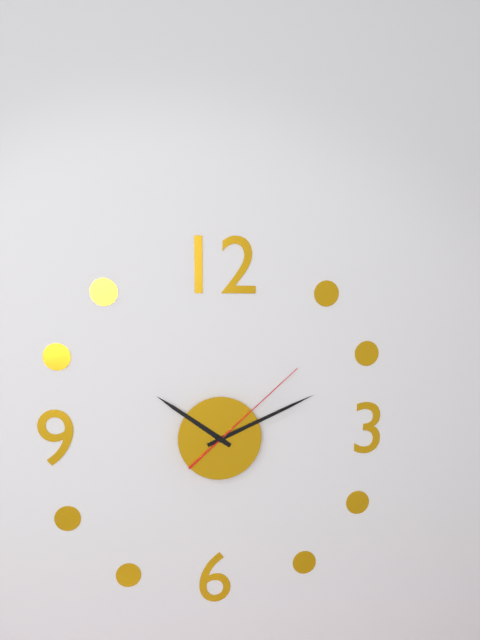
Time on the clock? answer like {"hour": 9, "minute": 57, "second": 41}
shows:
{"hour": 10, "minute": 11, "second": 8}
